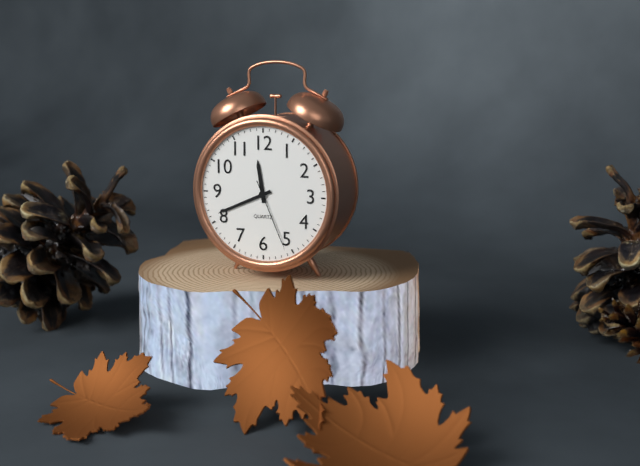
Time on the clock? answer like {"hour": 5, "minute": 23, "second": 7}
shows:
{"hour": 11, "minute": 41, "second": 26}
